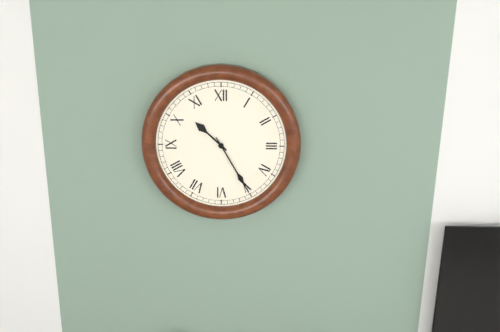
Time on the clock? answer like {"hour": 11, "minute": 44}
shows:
{"hour": 10, "minute": 25}
